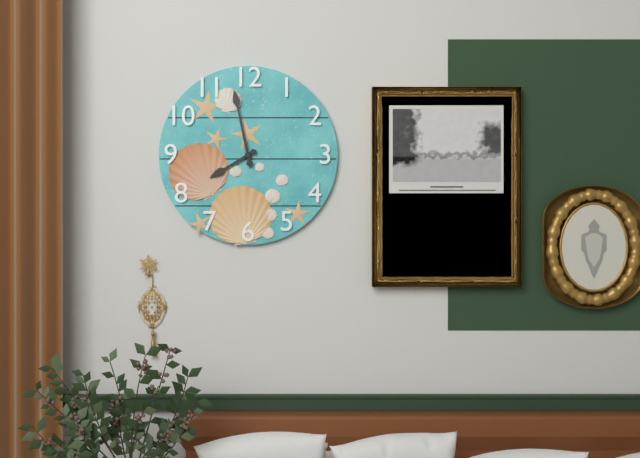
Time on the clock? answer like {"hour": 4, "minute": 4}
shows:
{"hour": 7, "minute": 58}
